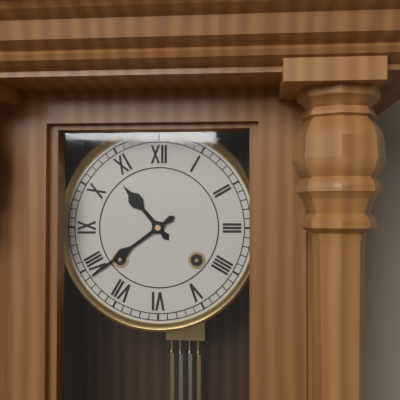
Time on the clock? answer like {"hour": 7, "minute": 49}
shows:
{"hour": 10, "minute": 39}
